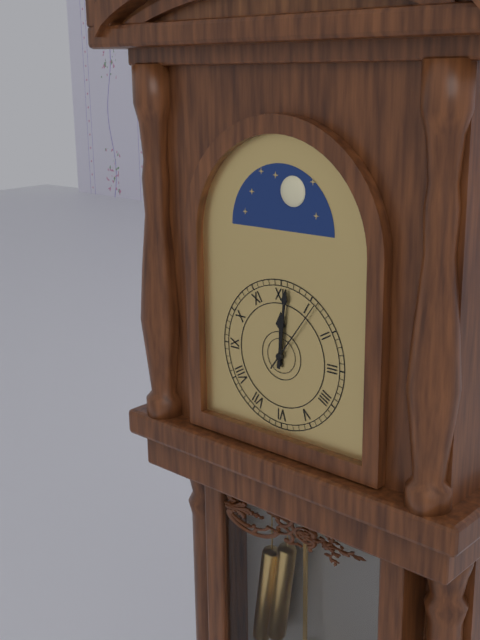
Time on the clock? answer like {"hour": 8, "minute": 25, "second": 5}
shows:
{"hour": 12, "minute": 1, "second": 6}
